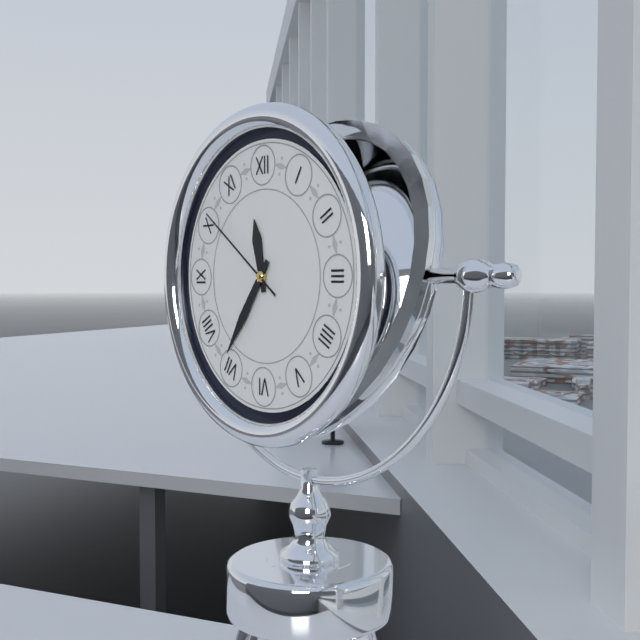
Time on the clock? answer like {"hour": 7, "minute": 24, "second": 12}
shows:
{"hour": 11, "minute": 36, "second": 51}
